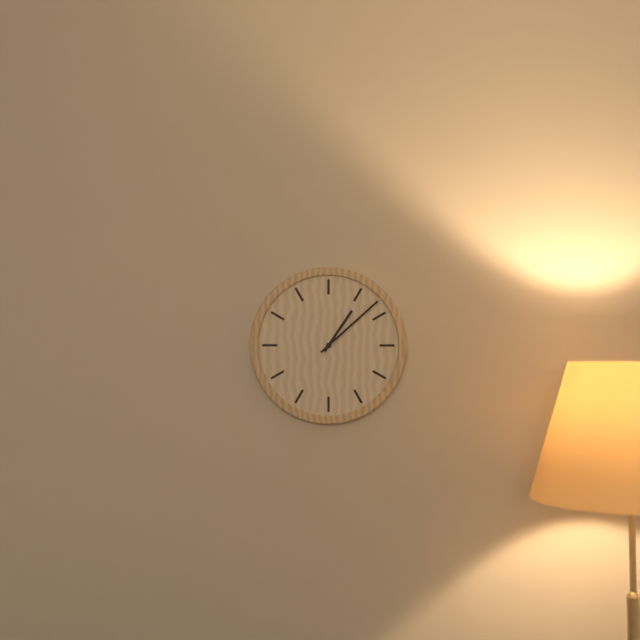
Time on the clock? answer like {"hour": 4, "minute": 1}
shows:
{"hour": 1, "minute": 8}
